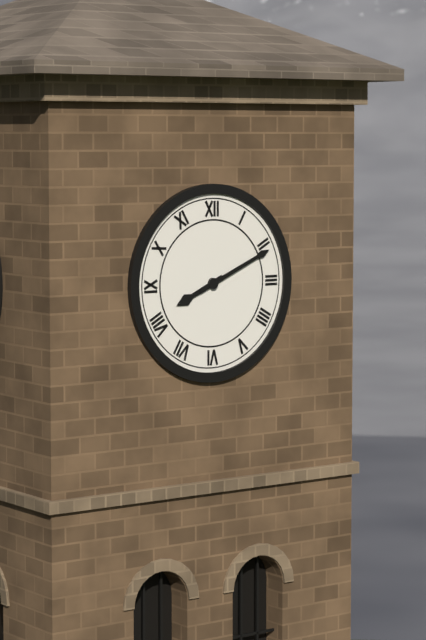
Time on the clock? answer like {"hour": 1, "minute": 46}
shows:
{"hour": 8, "minute": 11}
